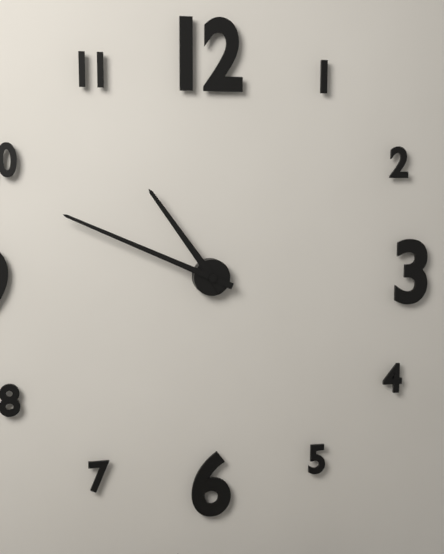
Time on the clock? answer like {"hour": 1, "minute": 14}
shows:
{"hour": 10, "minute": 49}
